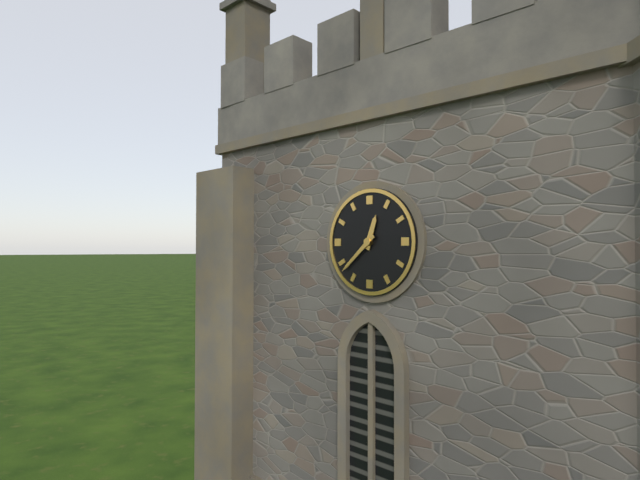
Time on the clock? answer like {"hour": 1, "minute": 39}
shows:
{"hour": 12, "minute": 38}
